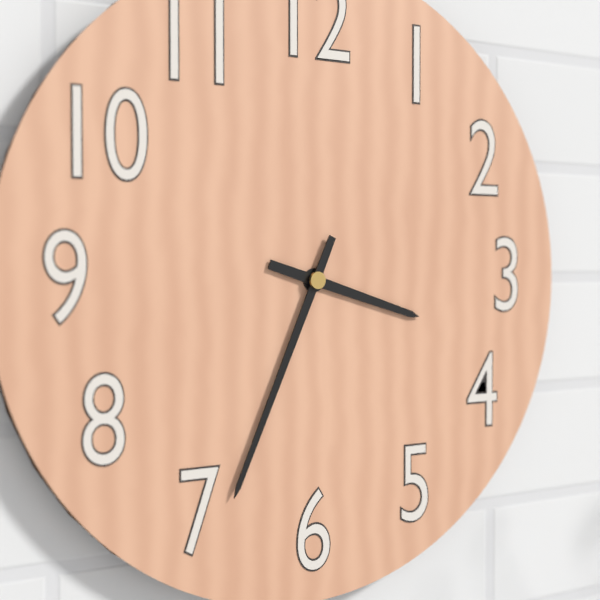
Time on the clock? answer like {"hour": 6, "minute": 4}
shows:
{"hour": 3, "minute": 34}
